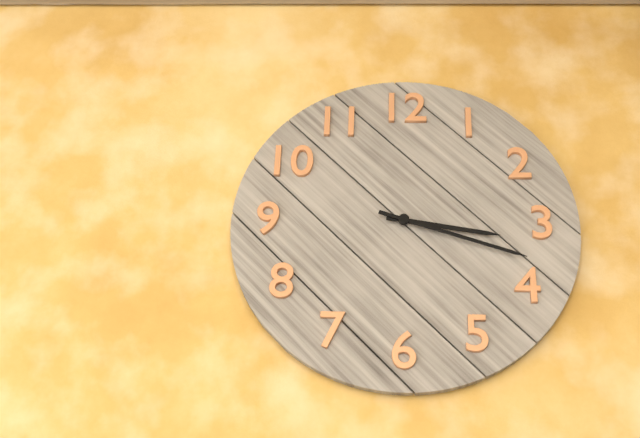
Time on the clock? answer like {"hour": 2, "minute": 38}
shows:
{"hour": 3, "minute": 18}
